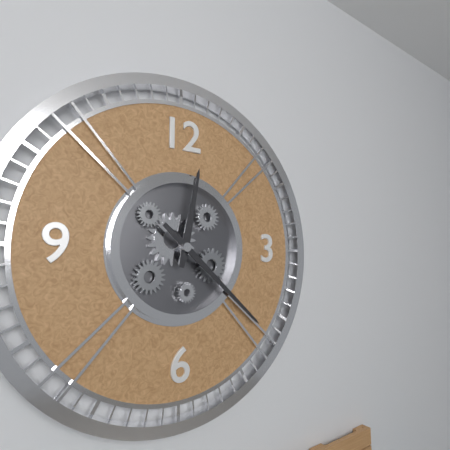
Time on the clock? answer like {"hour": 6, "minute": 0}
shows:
{"hour": 12, "minute": 22}
